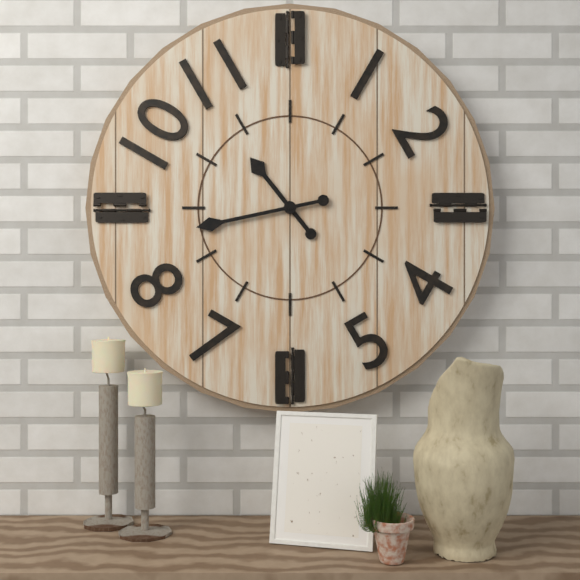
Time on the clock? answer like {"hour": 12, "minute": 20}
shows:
{"hour": 10, "minute": 43}
